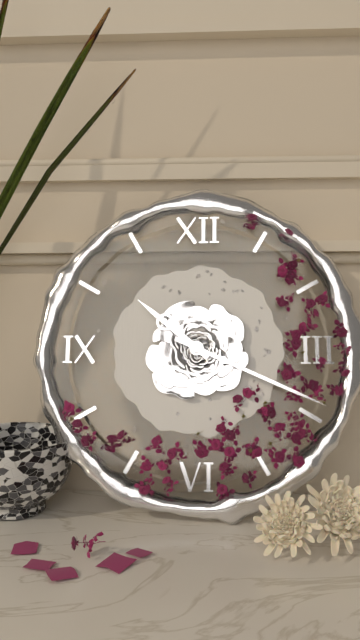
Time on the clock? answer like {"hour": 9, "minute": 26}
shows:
{"hour": 10, "minute": 19}
